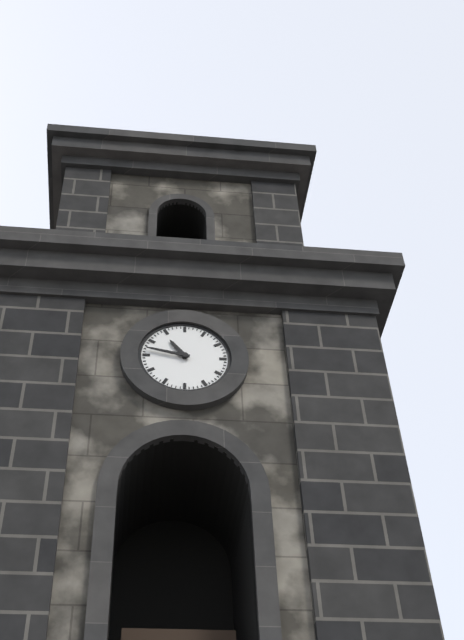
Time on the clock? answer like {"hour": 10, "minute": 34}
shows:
{"hour": 10, "minute": 47}
